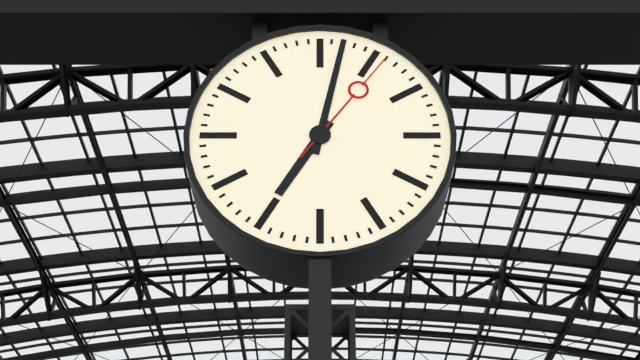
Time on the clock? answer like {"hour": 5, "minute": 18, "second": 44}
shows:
{"hour": 7, "minute": 2, "second": 6}
